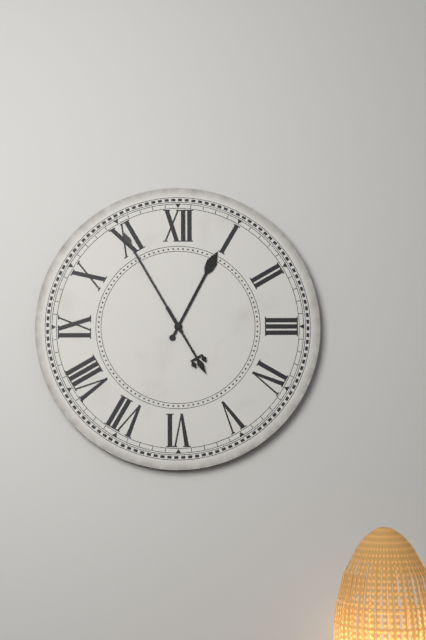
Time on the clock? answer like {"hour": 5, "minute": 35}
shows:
{"hour": 12, "minute": 55}
